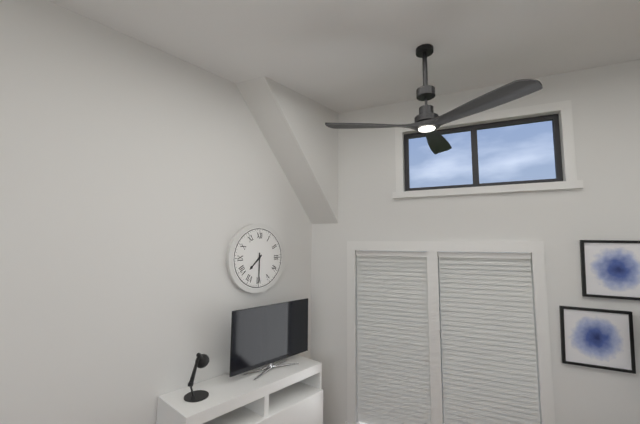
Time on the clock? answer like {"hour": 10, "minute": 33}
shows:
{"hour": 7, "minute": 30}
